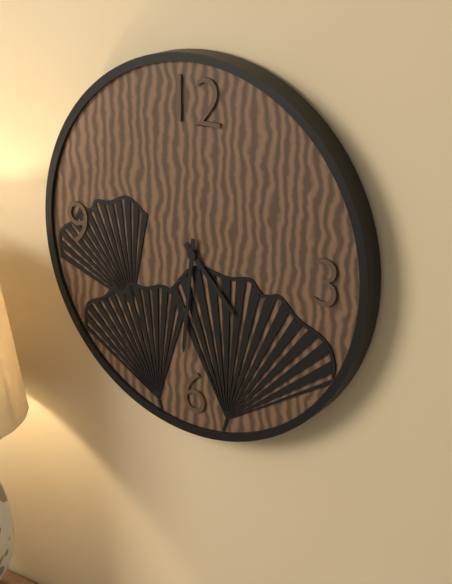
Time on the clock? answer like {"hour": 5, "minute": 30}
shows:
{"hour": 4, "minute": 31}
